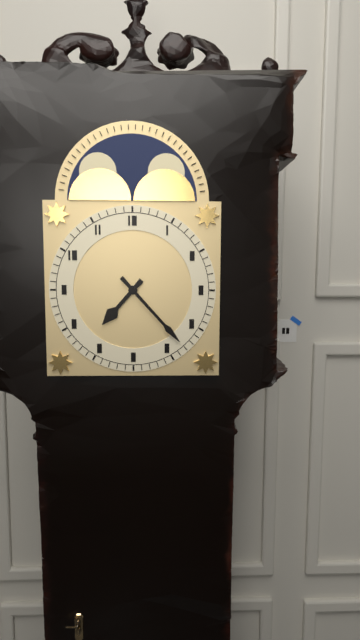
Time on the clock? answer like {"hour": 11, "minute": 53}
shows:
{"hour": 7, "minute": 23}
